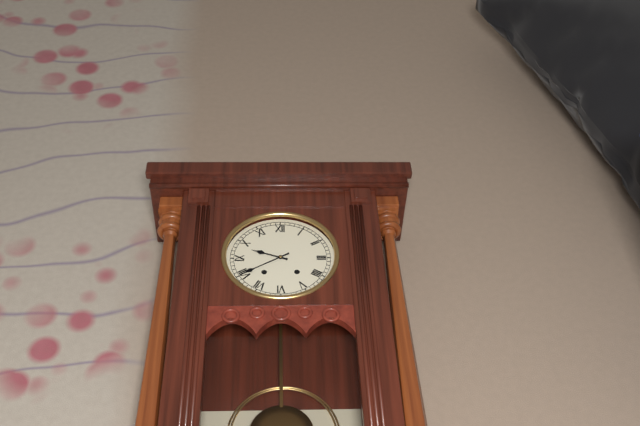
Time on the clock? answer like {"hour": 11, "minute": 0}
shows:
{"hour": 9, "minute": 40}
